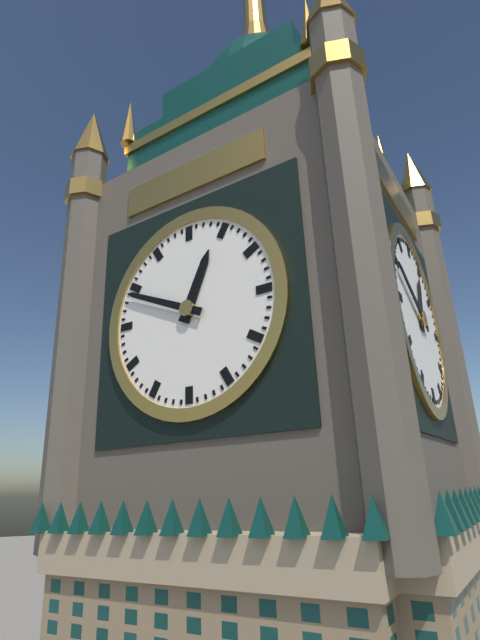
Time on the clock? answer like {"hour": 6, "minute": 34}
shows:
{"hour": 12, "minute": 49}
